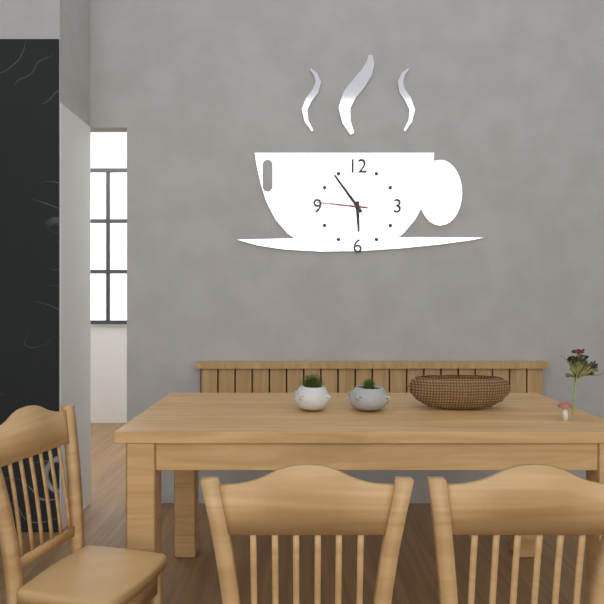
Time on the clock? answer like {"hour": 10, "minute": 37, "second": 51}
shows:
{"hour": 5, "minute": 54, "second": 46}
